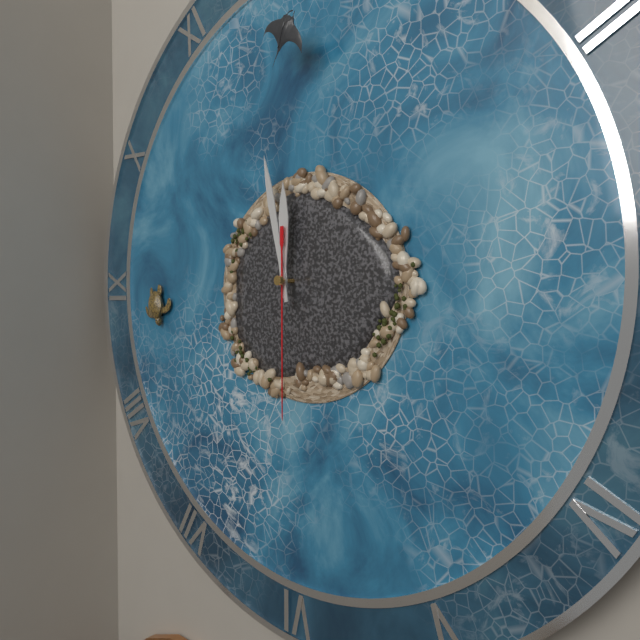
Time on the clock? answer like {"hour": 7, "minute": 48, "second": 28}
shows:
{"hour": 11, "minute": 58, "second": 30}
